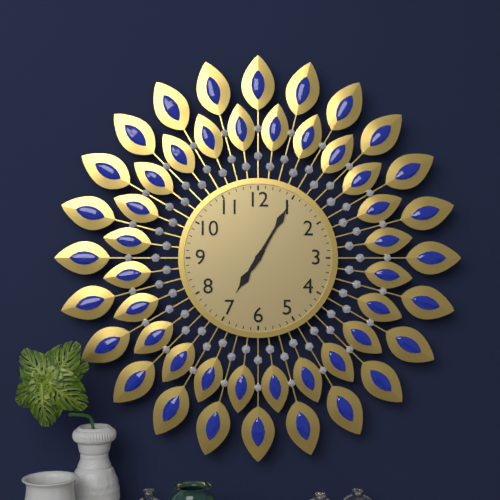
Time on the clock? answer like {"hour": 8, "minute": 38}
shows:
{"hour": 7, "minute": 5}
